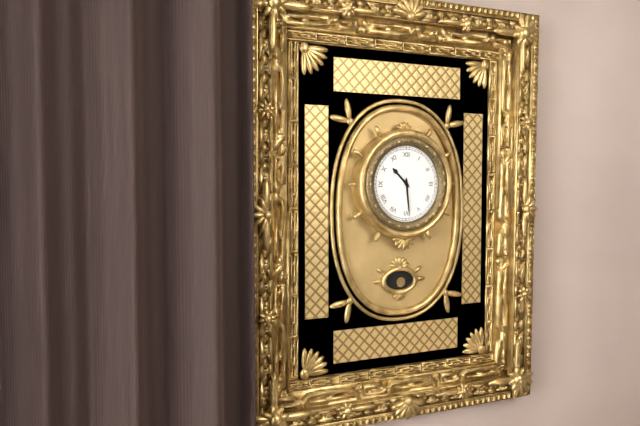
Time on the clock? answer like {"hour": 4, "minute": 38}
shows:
{"hour": 10, "minute": 29}
